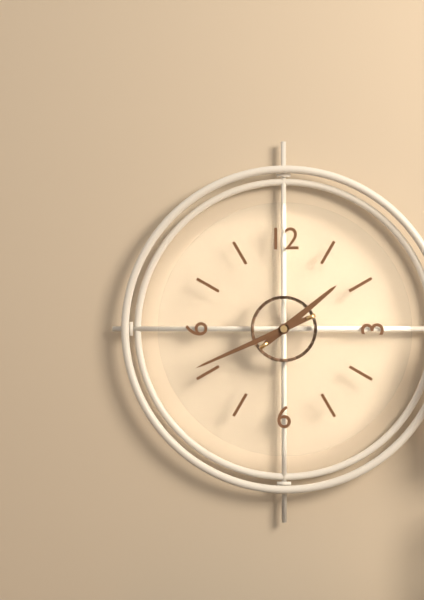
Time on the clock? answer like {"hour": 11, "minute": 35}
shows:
{"hour": 1, "minute": 41}
